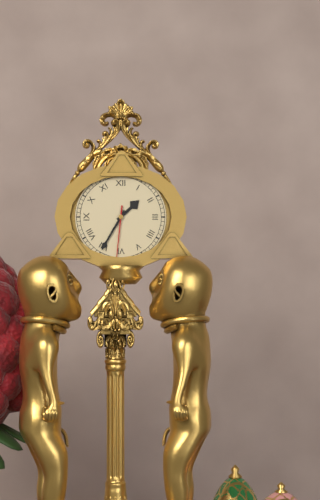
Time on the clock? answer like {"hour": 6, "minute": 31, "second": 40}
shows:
{"hour": 1, "minute": 35, "second": 31}
